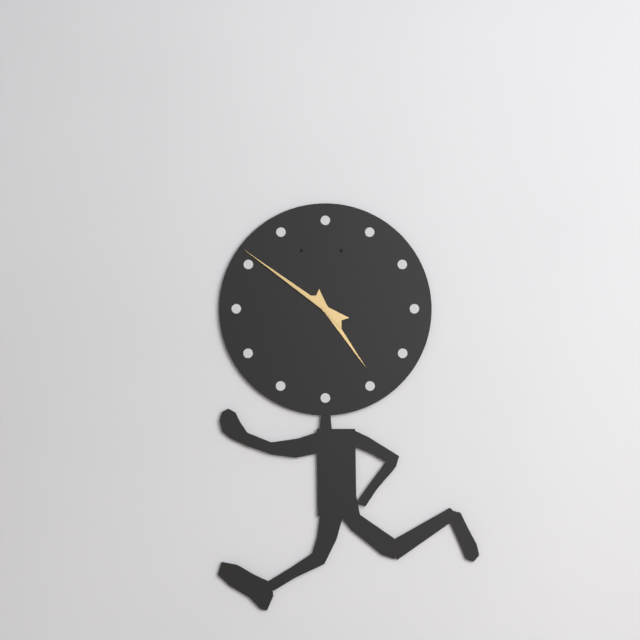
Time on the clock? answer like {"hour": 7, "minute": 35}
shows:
{"hour": 4, "minute": 51}
